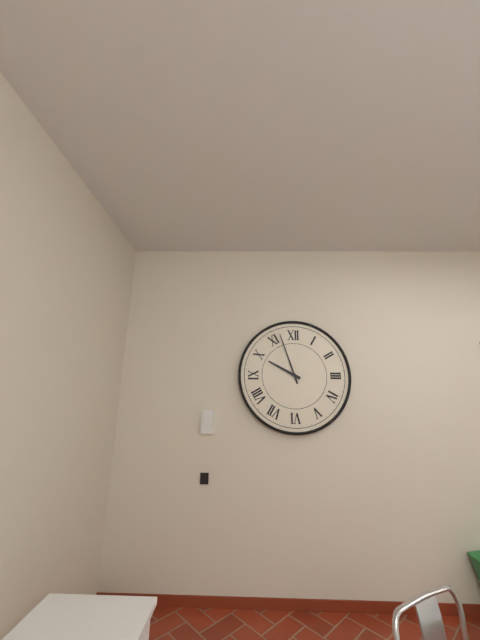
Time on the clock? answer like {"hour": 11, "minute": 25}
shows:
{"hour": 9, "minute": 57}
